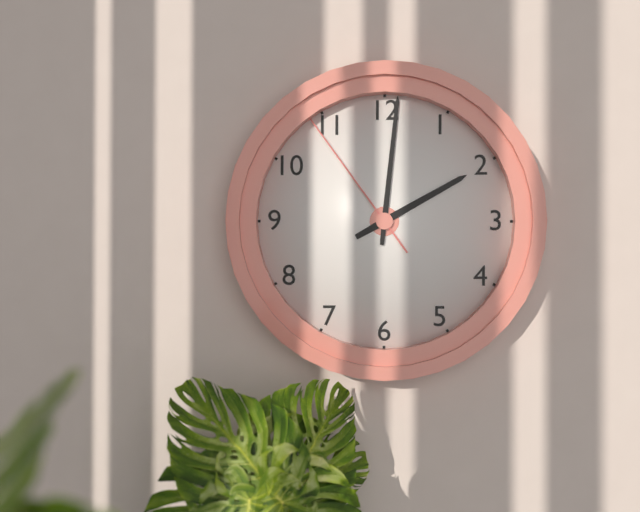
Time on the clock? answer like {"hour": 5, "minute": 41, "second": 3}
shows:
{"hour": 2, "minute": 1, "second": 54}
